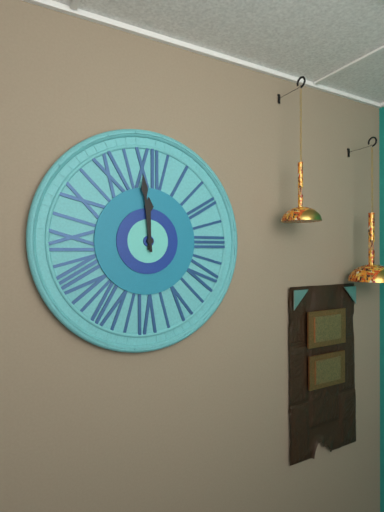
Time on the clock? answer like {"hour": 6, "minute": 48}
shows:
{"hour": 11, "minute": 59}
